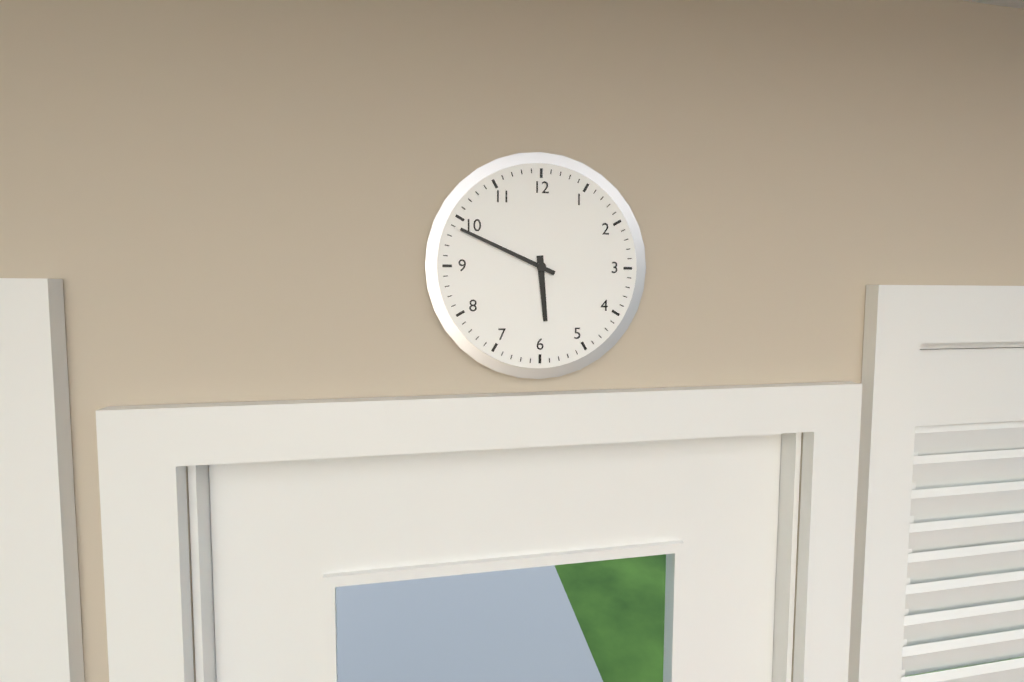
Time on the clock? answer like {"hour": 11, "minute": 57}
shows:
{"hour": 5, "minute": 49}
